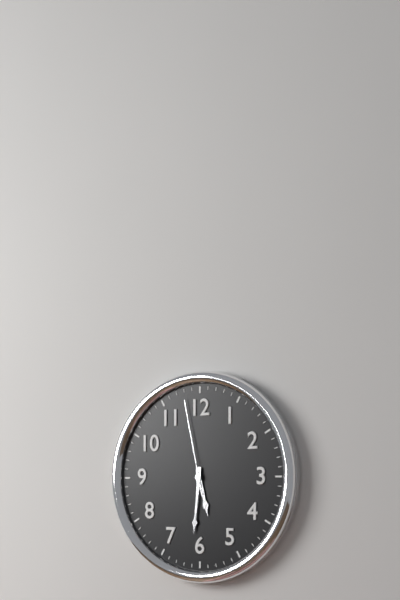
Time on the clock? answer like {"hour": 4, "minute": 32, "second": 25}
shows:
{"hour": 5, "minute": 31, "second": 58}
